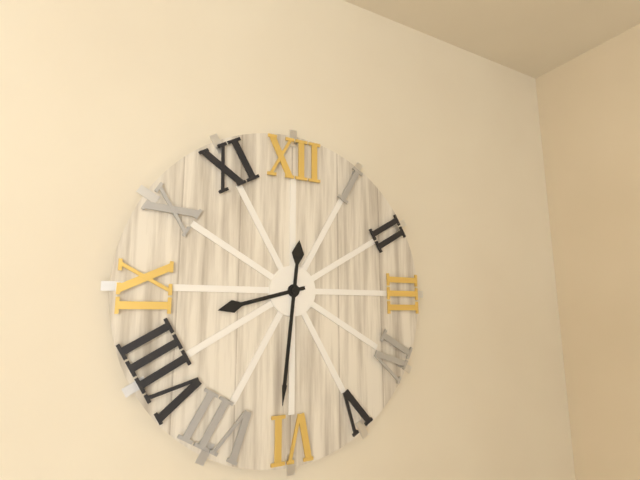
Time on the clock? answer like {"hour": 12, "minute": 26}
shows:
{"hour": 8, "minute": 31}
